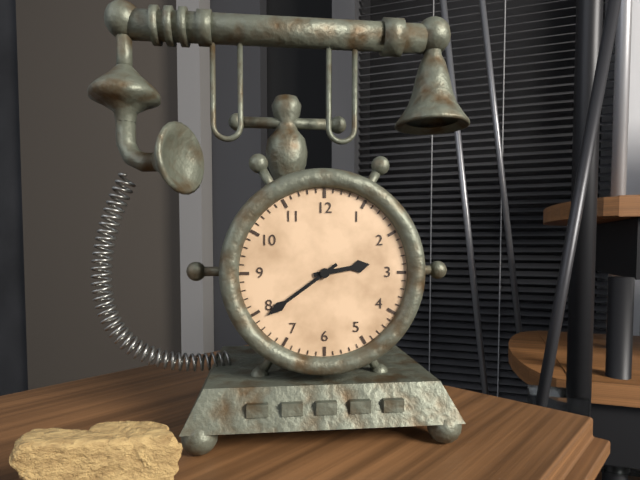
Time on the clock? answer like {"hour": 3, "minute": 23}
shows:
{"hour": 2, "minute": 39}
